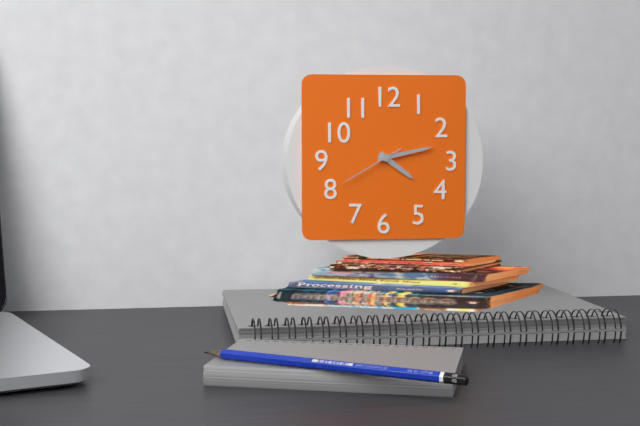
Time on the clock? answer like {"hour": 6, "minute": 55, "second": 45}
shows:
{"hour": 4, "minute": 13, "second": 40}
